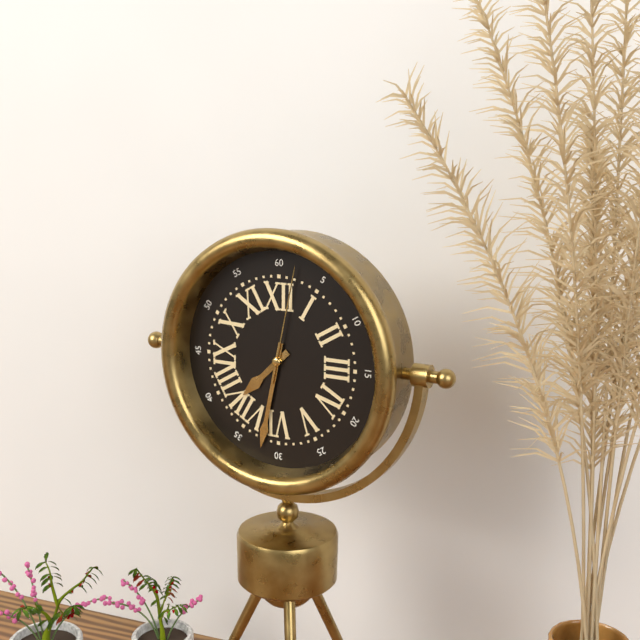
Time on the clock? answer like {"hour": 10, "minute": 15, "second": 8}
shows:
{"hour": 7, "minute": 32, "second": 2}
